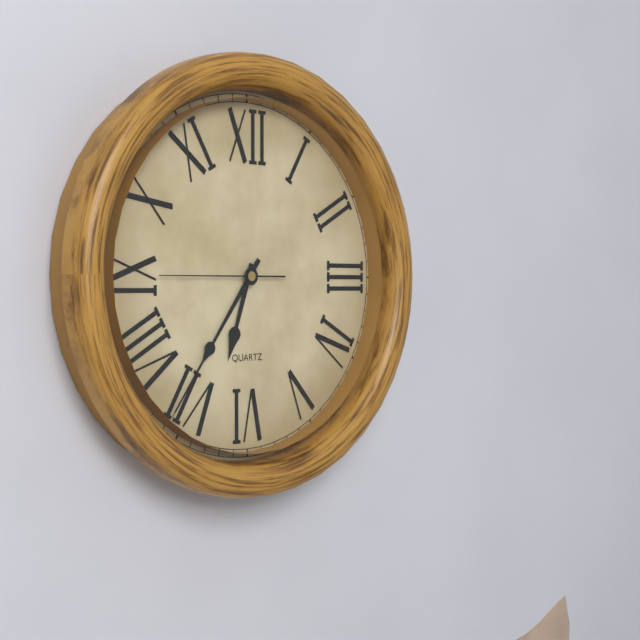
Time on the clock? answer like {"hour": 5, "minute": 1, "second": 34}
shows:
{"hour": 6, "minute": 36, "second": 45}
